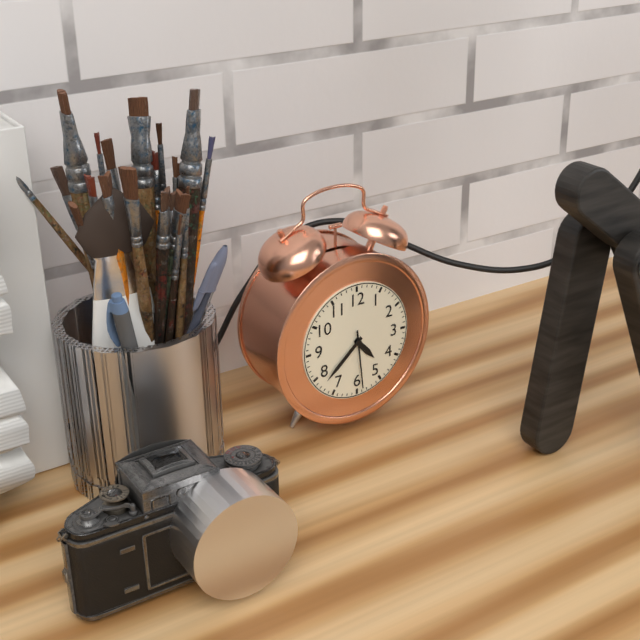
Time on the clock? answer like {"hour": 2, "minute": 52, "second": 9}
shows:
{"hour": 4, "minute": 38, "second": 29}
